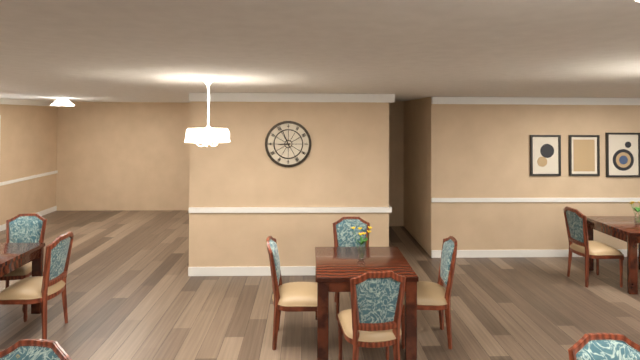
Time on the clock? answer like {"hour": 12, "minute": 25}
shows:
{"hour": 8, "minute": 56}
